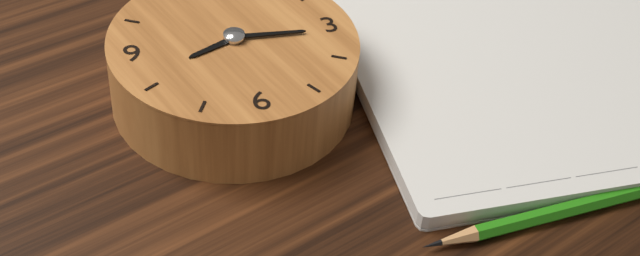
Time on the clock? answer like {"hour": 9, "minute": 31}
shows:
{"hour": 8, "minute": 16}
